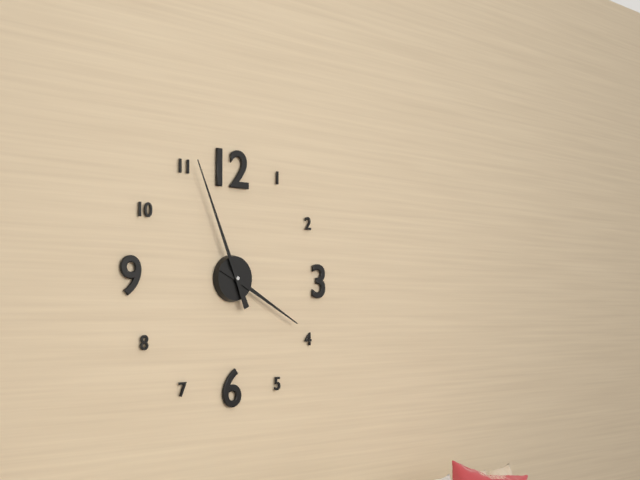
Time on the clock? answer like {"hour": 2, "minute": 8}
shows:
{"hour": 3, "minute": 56}
